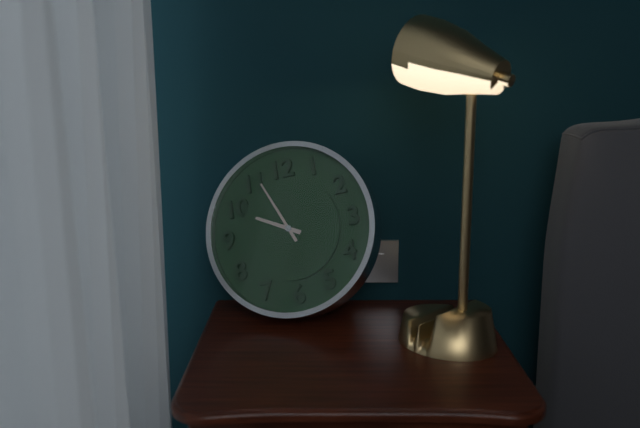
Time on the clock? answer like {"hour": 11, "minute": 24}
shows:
{"hour": 9, "minute": 56}
